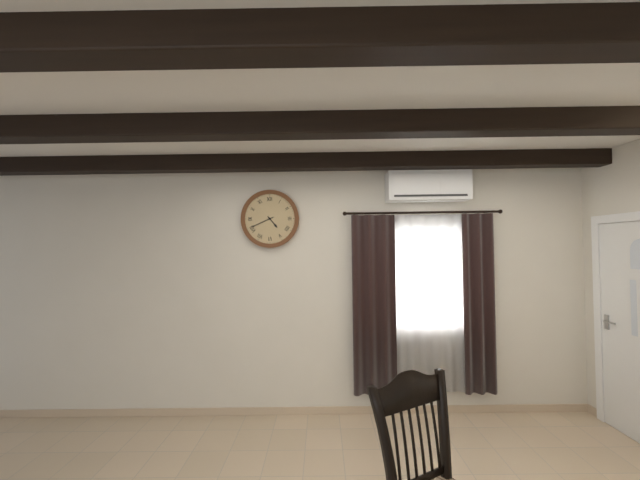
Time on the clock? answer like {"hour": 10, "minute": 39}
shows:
{"hour": 4, "minute": 41}
